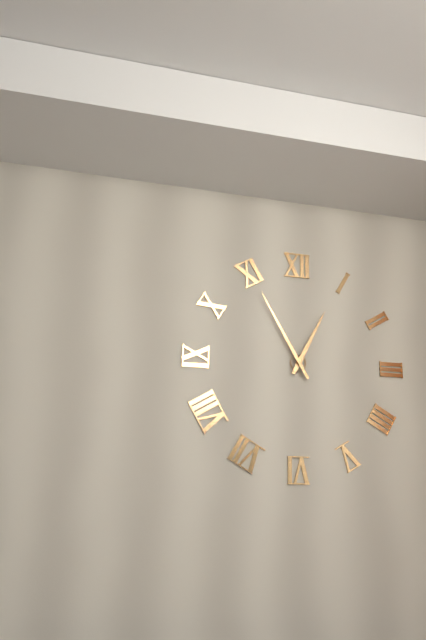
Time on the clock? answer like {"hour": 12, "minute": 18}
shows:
{"hour": 12, "minute": 55}
